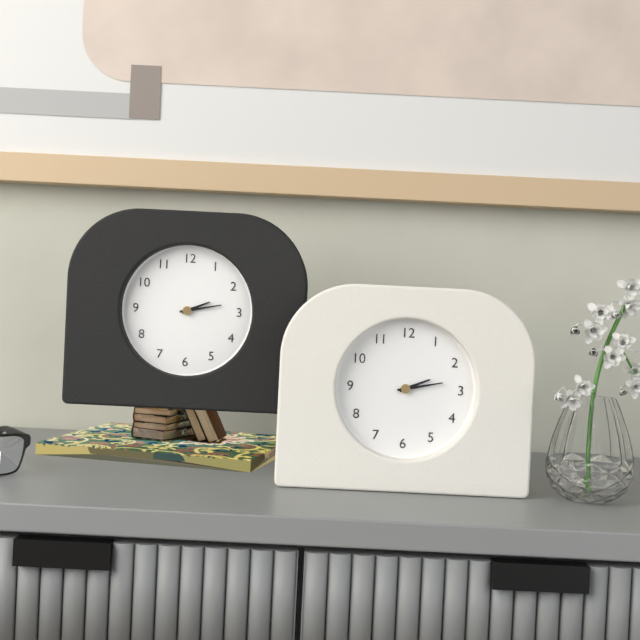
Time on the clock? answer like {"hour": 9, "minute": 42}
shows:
{"hour": 2, "minute": 13}
